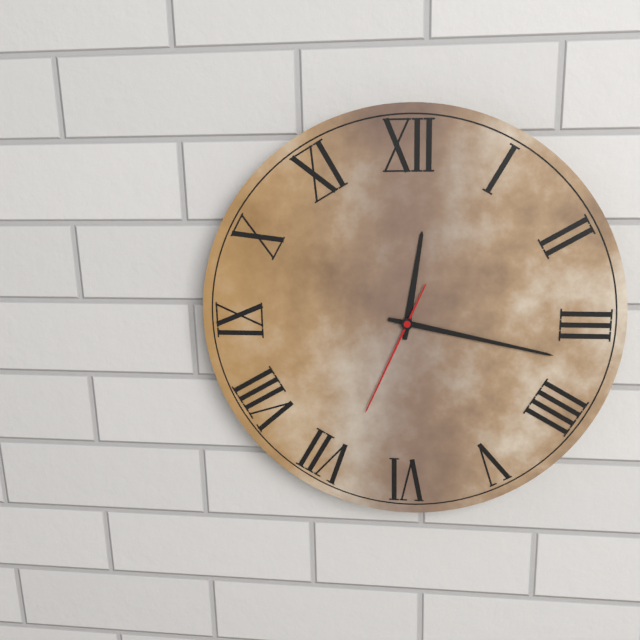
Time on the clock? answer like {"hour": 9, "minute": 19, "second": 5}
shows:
{"hour": 12, "minute": 17, "second": 34}
